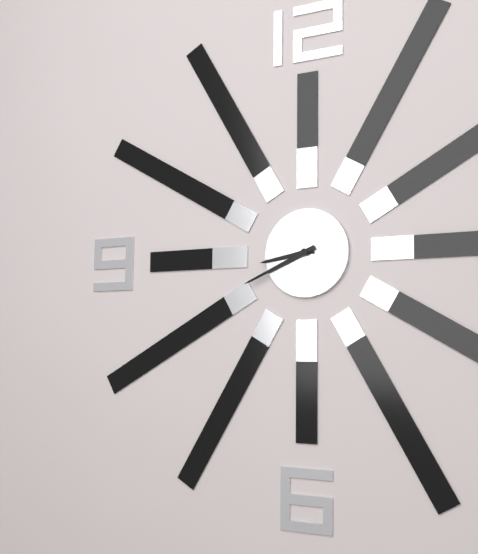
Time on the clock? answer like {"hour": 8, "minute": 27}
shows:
{"hour": 8, "minute": 41}
